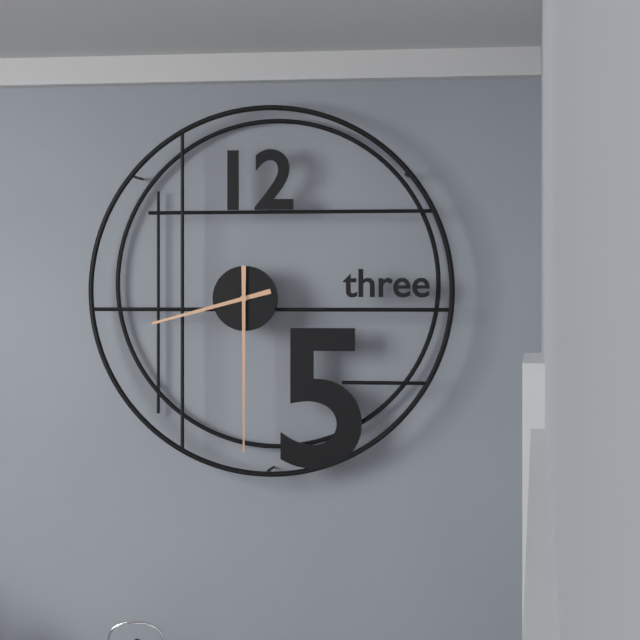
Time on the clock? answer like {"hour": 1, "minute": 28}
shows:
{"hour": 8, "minute": 30}
